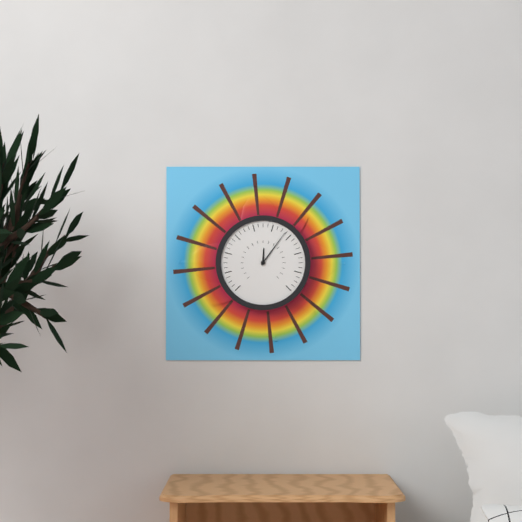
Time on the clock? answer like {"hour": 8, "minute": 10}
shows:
{"hour": 12, "minute": 6}
